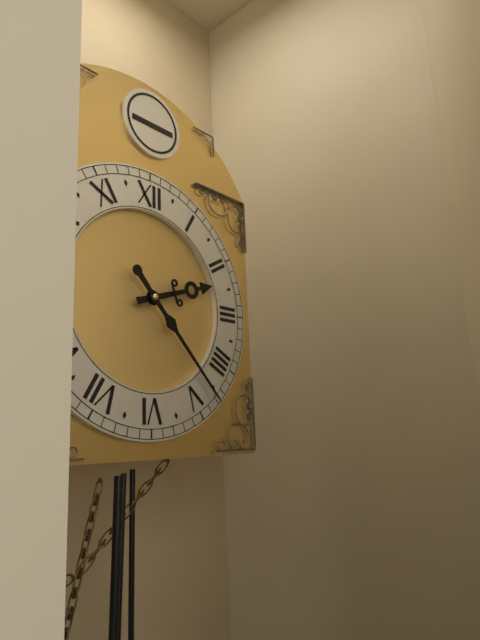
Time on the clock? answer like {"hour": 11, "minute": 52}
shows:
{"hour": 2, "minute": 23}
